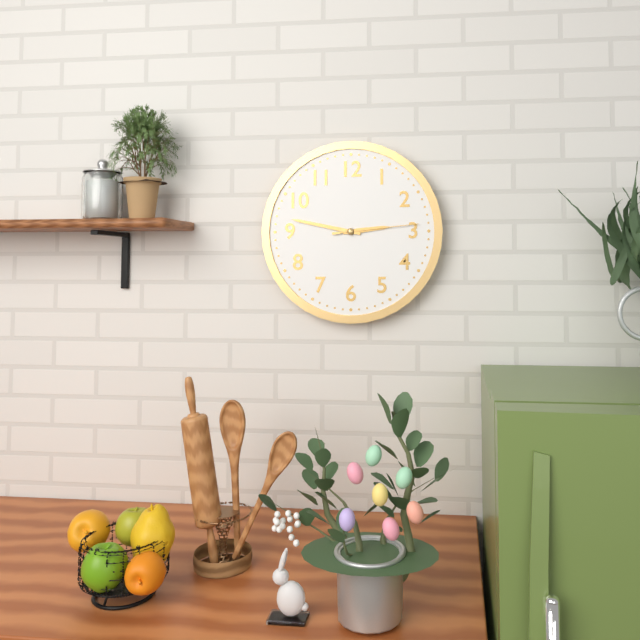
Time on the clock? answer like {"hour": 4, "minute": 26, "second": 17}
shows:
{"hour": 2, "minute": 47, "second": 14}
